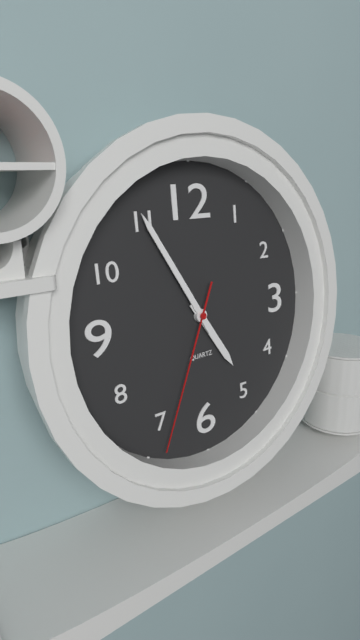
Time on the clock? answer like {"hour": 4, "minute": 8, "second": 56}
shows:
{"hour": 4, "minute": 55, "second": 34}
